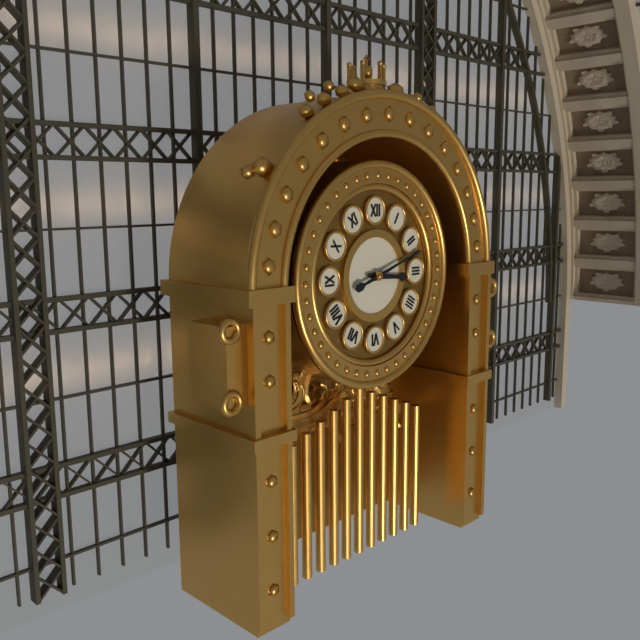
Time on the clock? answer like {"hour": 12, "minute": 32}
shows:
{"hour": 3, "minute": 12}
